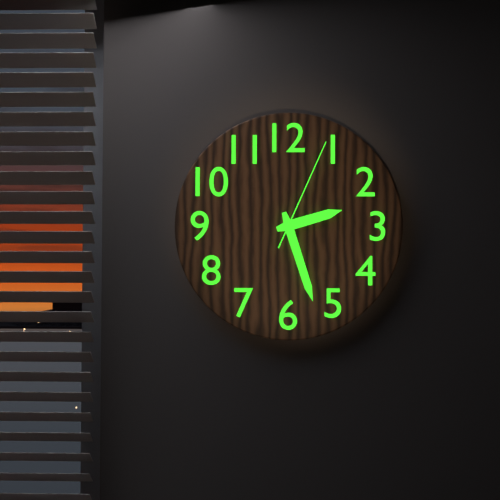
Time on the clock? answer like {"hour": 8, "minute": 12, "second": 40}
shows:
{"hour": 2, "minute": 27, "second": 4}
